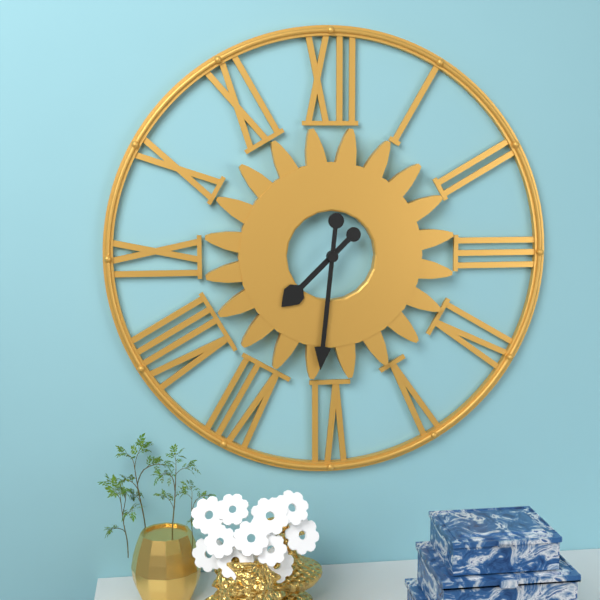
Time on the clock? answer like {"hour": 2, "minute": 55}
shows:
{"hour": 7, "minute": 31}
